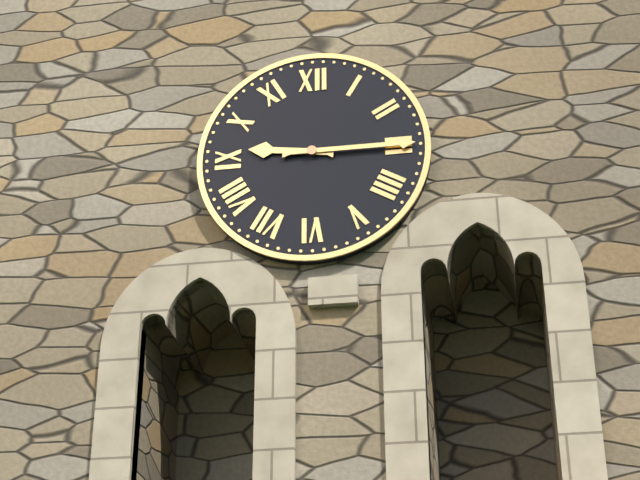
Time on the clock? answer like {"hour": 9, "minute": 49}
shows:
{"hour": 9, "minute": 15}
